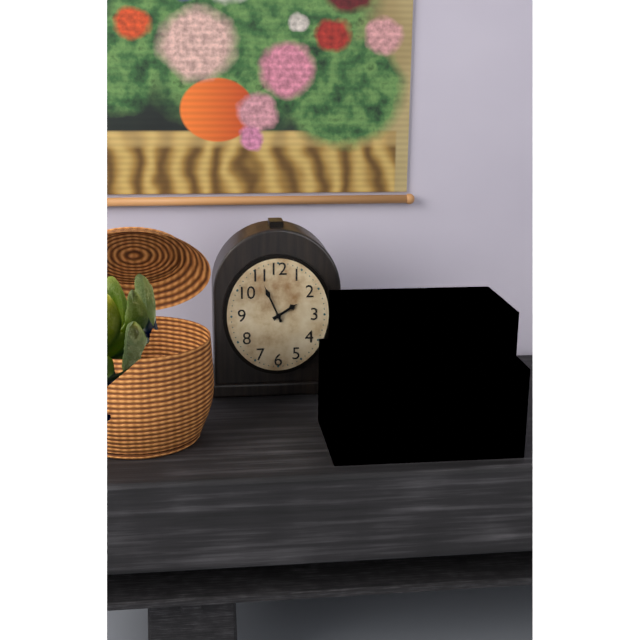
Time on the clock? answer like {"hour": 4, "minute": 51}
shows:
{"hour": 1, "minute": 56}
